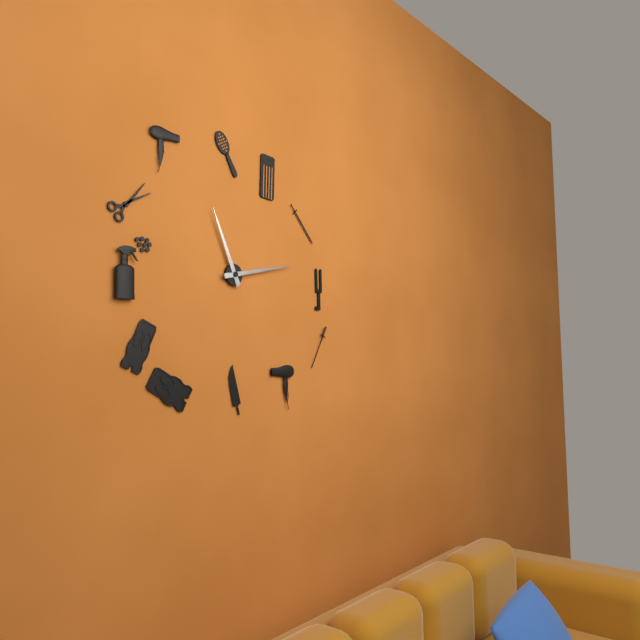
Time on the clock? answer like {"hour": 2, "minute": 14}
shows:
{"hour": 11, "minute": 13}
